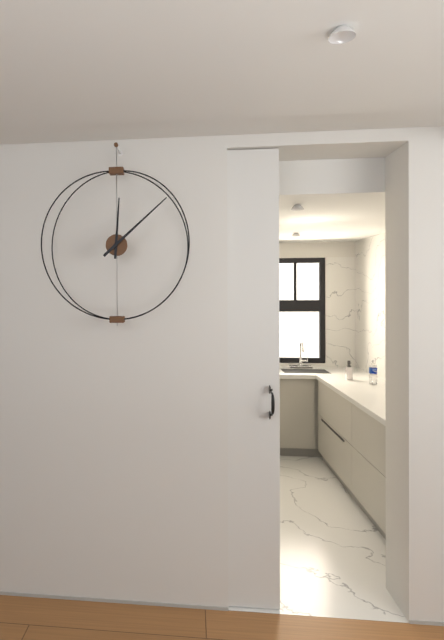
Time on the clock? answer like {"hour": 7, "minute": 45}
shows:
{"hour": 12, "minute": 8}
